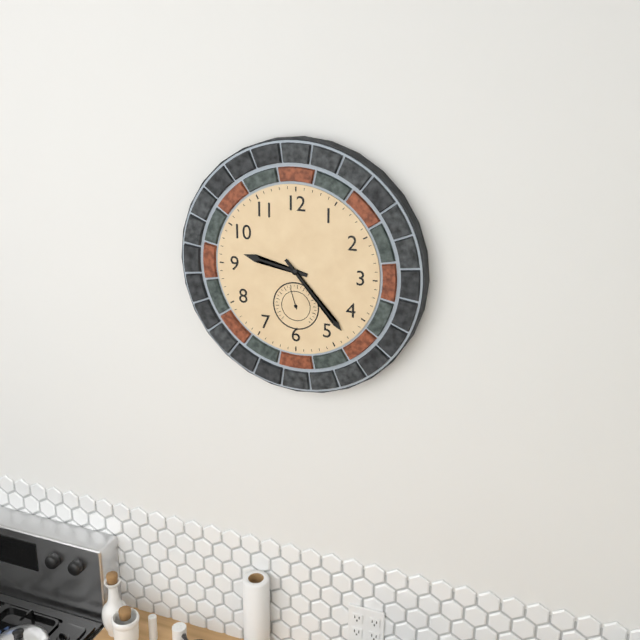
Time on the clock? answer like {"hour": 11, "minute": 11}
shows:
{"hour": 9, "minute": 23}
